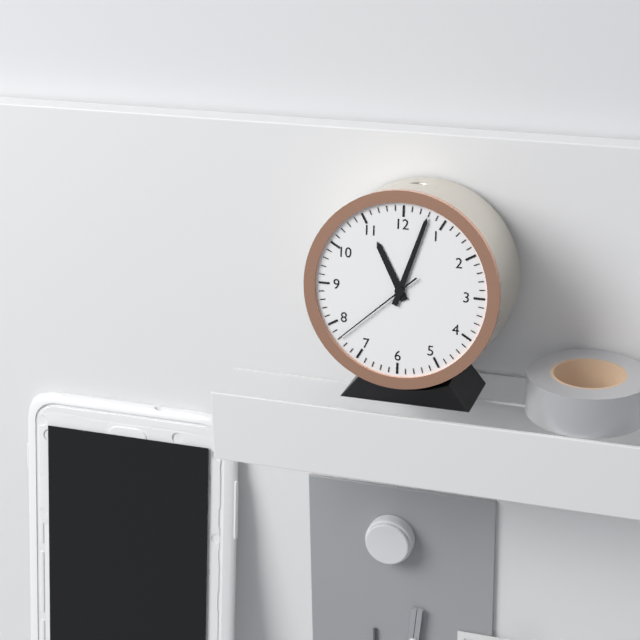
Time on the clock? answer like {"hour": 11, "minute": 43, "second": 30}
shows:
{"hour": 11, "minute": 3, "second": 38}
